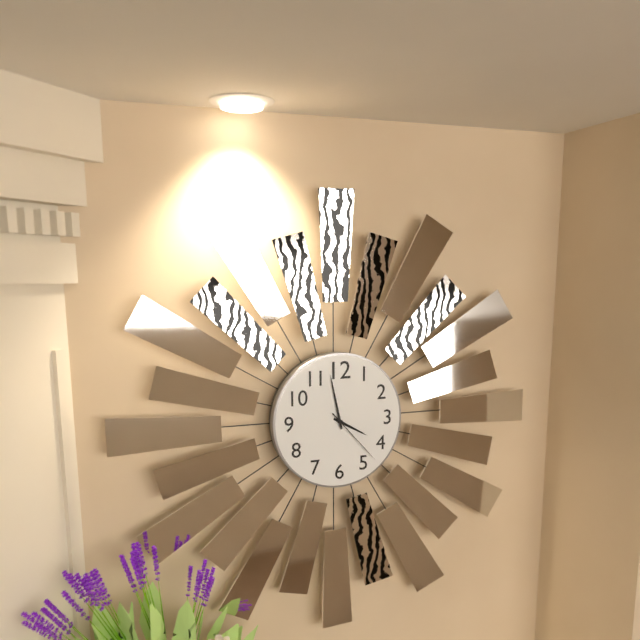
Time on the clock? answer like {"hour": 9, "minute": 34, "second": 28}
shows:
{"hour": 3, "minute": 58, "second": 23}
